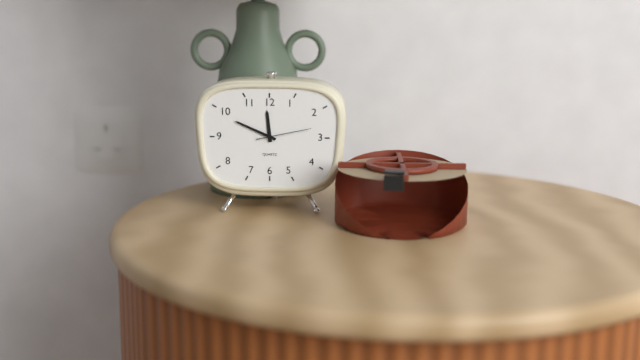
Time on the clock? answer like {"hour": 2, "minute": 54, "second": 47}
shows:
{"hour": 11, "minute": 49, "second": 13}
